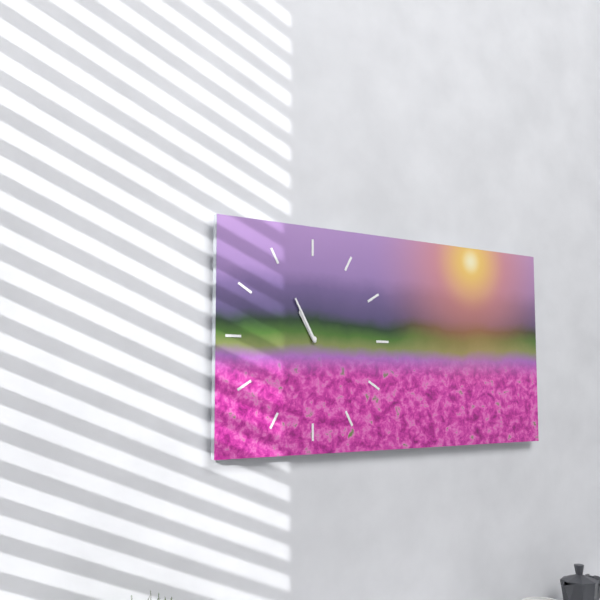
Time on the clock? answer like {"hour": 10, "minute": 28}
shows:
{"hour": 10, "minute": 55}
